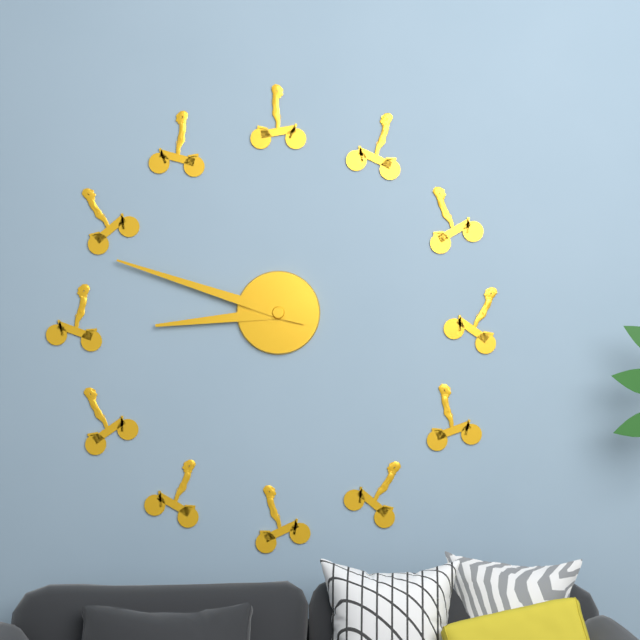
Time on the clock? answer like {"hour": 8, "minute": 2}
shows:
{"hour": 8, "minute": 48}
